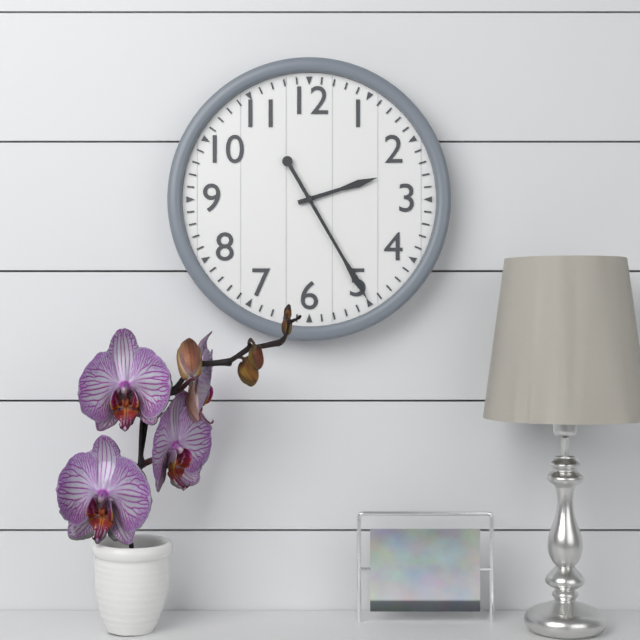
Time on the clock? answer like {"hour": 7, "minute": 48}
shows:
{"hour": 2, "minute": 25}
